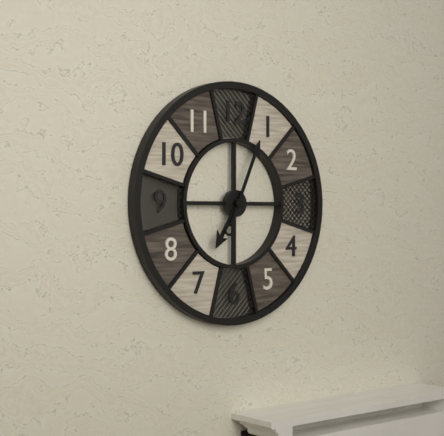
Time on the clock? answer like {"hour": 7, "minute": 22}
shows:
{"hour": 7, "minute": 4}
